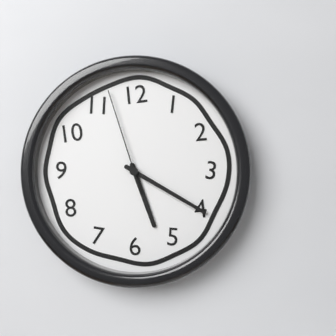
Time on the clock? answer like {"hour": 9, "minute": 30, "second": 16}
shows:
{"hour": 5, "minute": 20, "second": 57}
